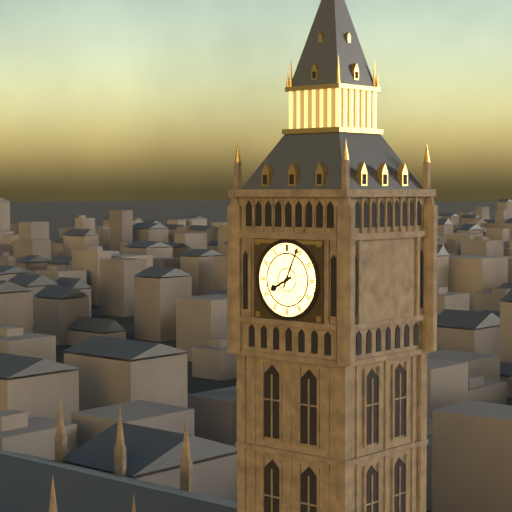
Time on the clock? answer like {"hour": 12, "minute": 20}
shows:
{"hour": 8, "minute": 4}
